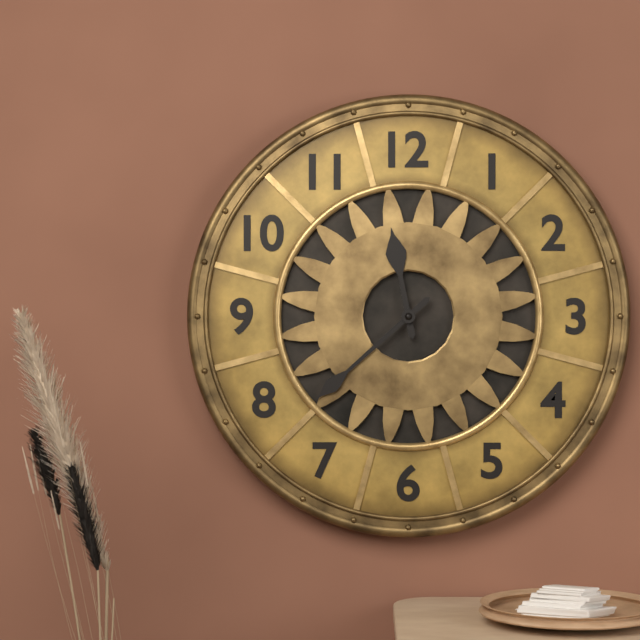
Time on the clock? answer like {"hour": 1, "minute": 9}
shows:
{"hour": 11, "minute": 38}
